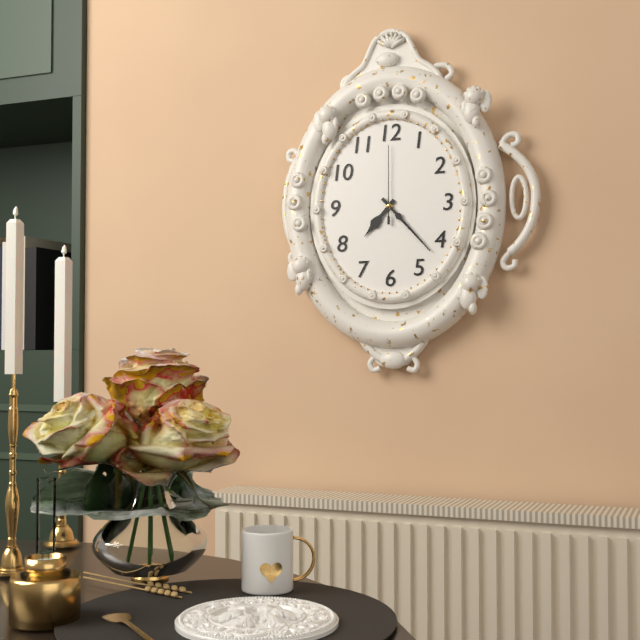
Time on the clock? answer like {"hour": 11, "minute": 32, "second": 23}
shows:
{"hour": 7, "minute": 23, "second": 0}
